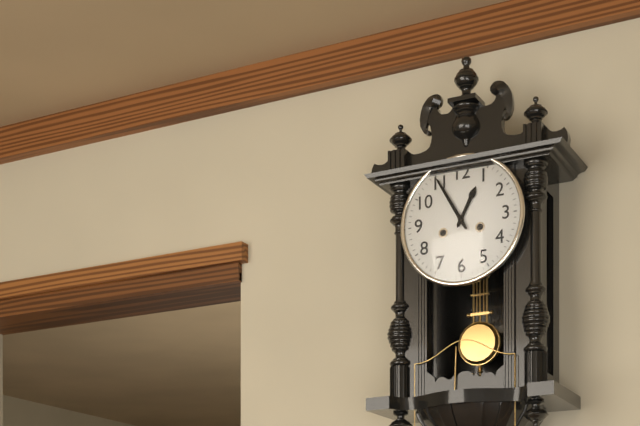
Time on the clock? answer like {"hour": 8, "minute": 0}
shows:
{"hour": 12, "minute": 55}
